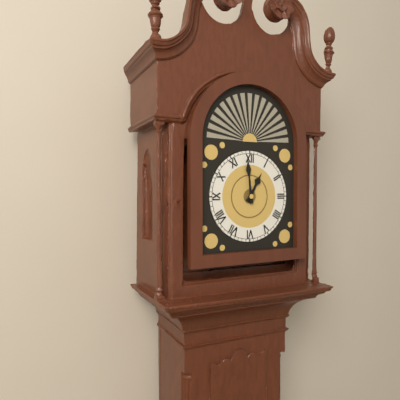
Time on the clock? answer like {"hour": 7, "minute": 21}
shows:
{"hour": 12, "minute": 59}
